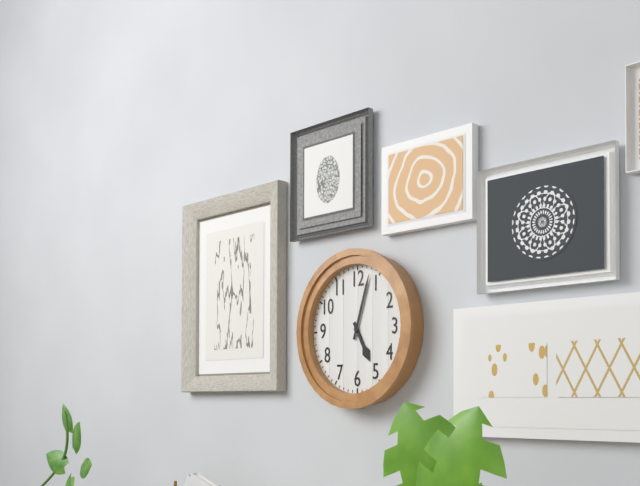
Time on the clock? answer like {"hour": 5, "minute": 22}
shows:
{"hour": 5, "minute": 3}
